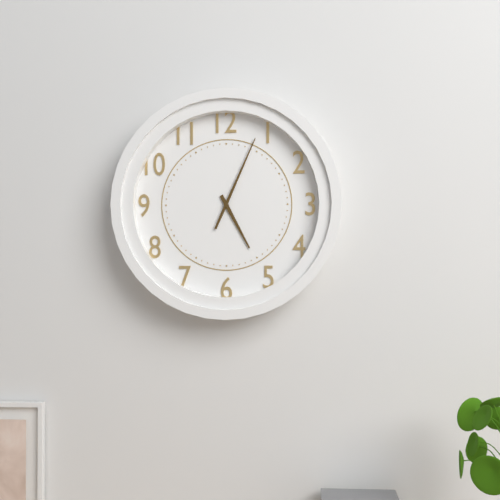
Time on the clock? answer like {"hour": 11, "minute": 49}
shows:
{"hour": 5, "minute": 4}
